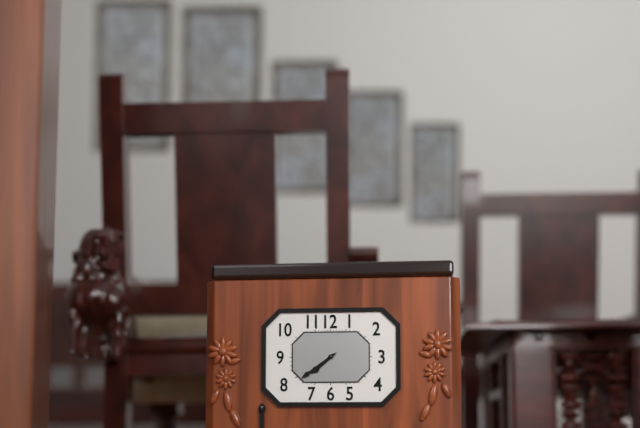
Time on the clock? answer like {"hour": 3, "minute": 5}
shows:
{"hour": 7, "minute": 39}
